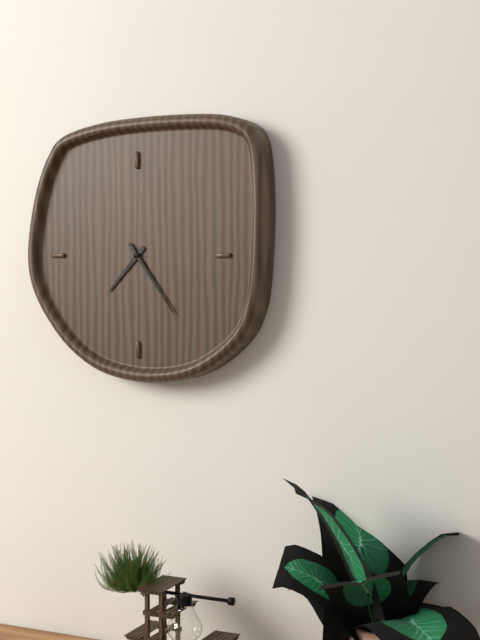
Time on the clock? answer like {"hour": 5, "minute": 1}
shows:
{"hour": 7, "minute": 24}
